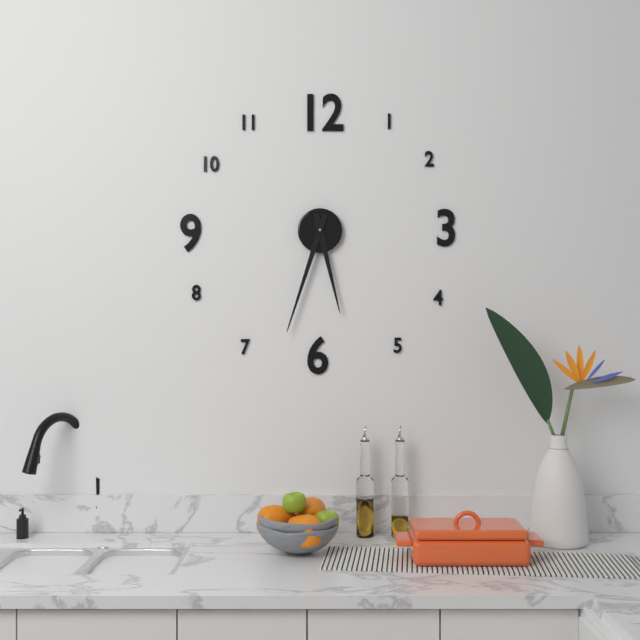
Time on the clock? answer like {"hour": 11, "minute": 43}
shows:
{"hour": 5, "minute": 33}
